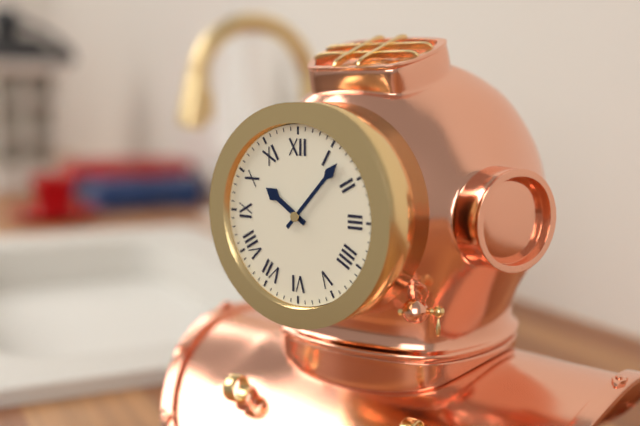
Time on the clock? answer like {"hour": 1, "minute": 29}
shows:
{"hour": 10, "minute": 7}
